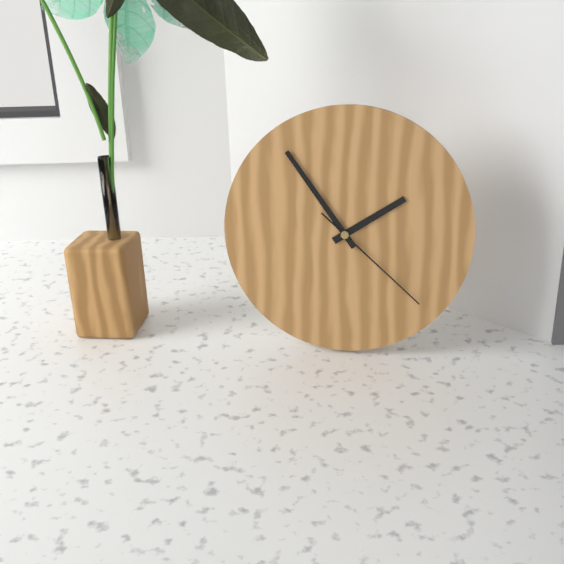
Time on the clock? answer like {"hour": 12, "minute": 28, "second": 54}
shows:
{"hour": 1, "minute": 54, "second": 22}
